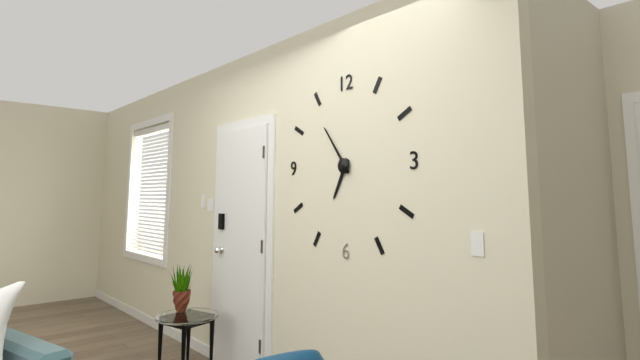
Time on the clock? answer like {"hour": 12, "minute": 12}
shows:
{"hour": 6, "minute": 54}
